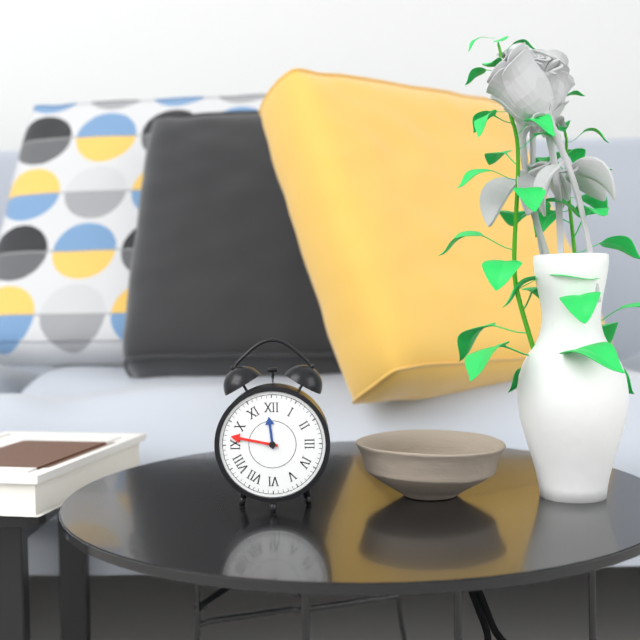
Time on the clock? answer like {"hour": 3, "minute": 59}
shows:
{"hour": 11, "minute": 47}
